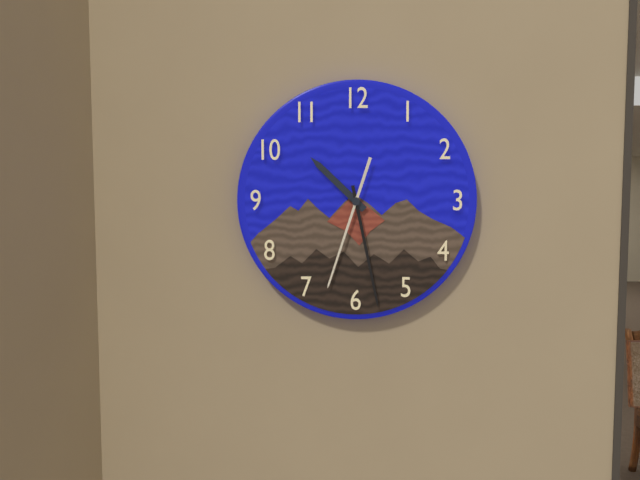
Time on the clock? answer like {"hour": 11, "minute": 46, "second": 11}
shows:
{"hour": 10, "minute": 28, "second": 33}
